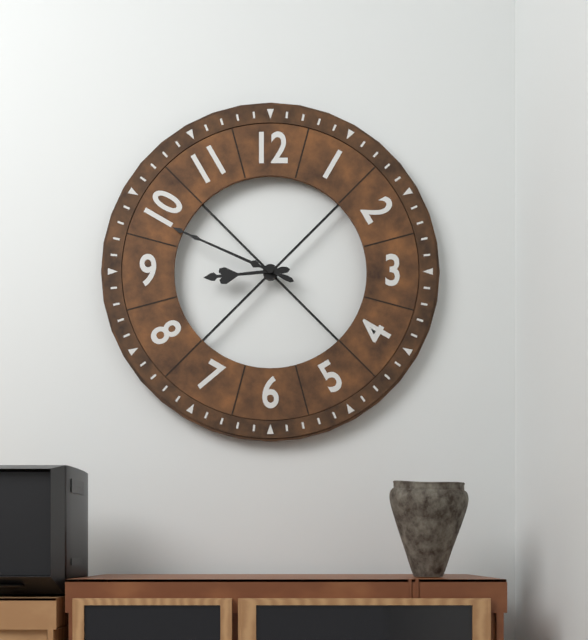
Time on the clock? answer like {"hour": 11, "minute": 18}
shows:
{"hour": 8, "minute": 49}
